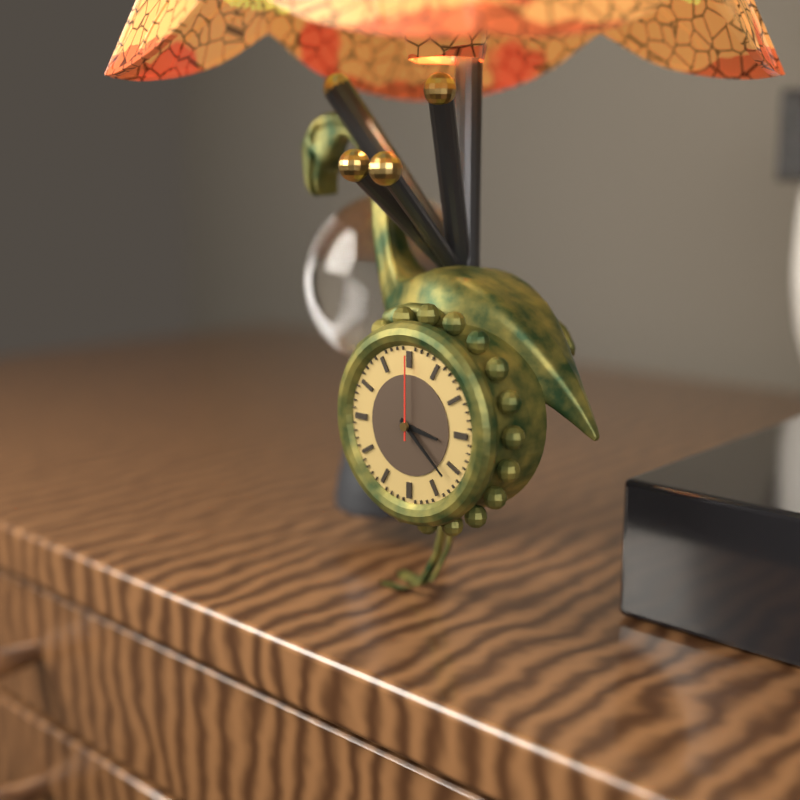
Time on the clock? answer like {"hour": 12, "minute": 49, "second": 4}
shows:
{"hour": 3, "minute": 22, "second": 0}
